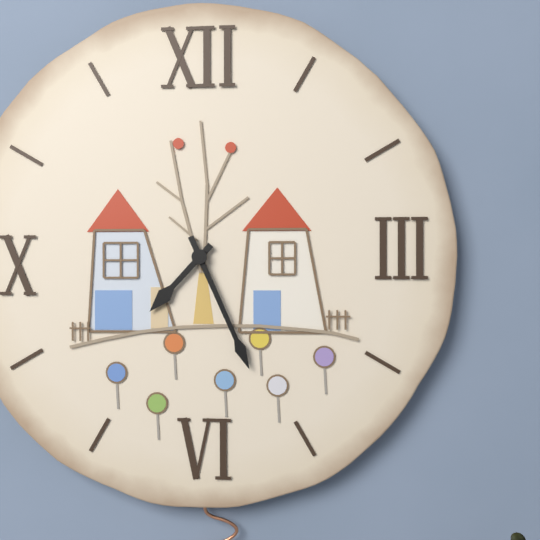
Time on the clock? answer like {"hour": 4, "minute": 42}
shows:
{"hour": 7, "minute": 26}
